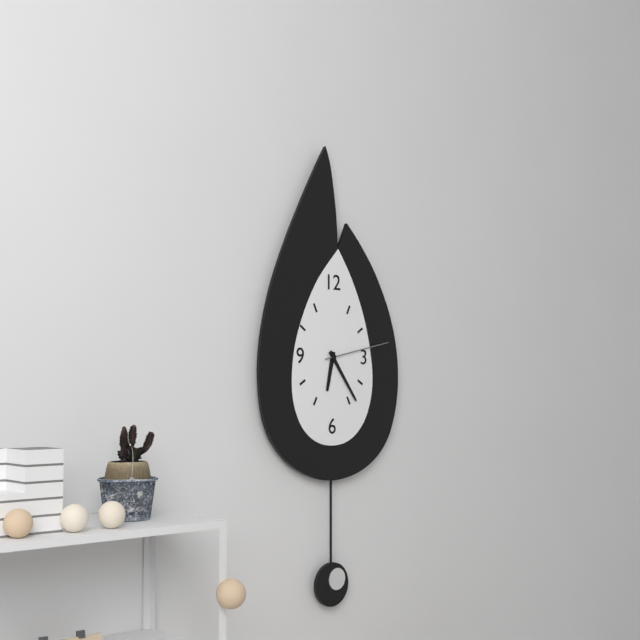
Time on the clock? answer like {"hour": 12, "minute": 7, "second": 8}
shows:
{"hour": 6, "minute": 24, "second": 13}
